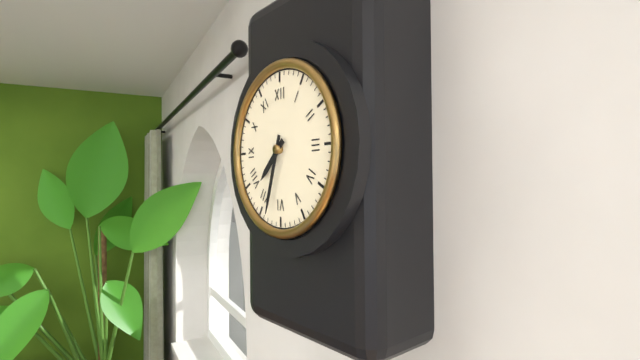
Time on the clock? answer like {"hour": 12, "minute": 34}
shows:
{"hour": 7, "minute": 33}
